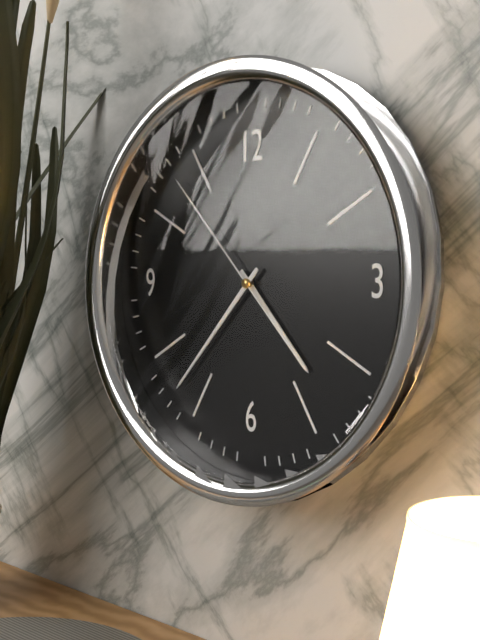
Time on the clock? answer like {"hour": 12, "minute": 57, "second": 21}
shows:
{"hour": 4, "minute": 37, "second": 53}
